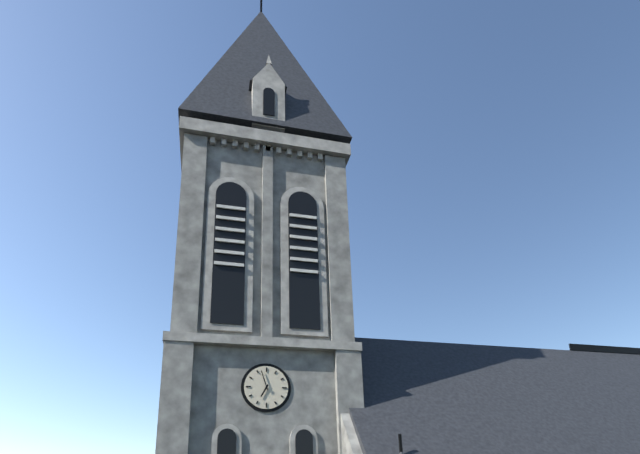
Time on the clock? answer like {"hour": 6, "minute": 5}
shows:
{"hour": 6, "minute": 57}
